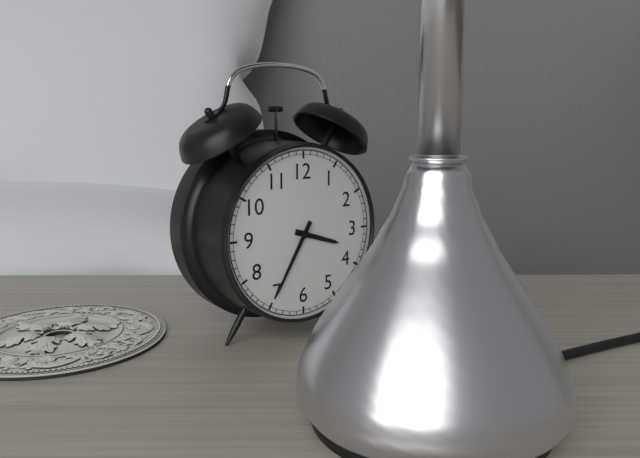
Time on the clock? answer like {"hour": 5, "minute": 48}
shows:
{"hour": 3, "minute": 35}
